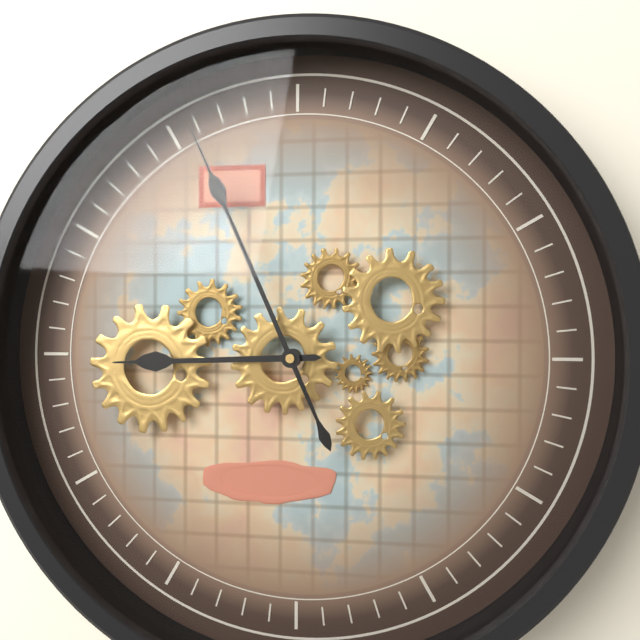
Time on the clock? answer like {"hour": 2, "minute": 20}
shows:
{"hour": 8, "minute": 56}
